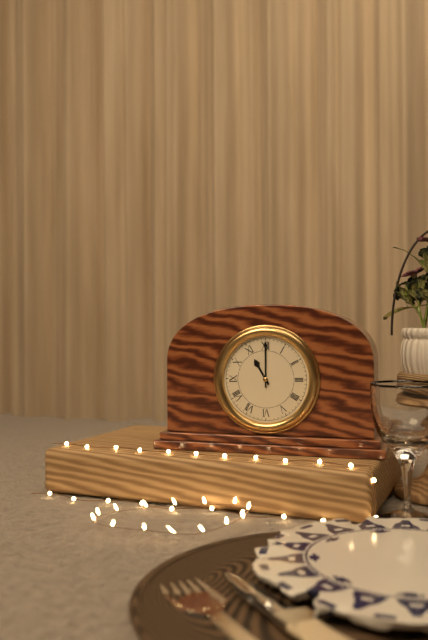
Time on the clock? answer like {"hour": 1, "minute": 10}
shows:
{"hour": 11, "minute": 0}
